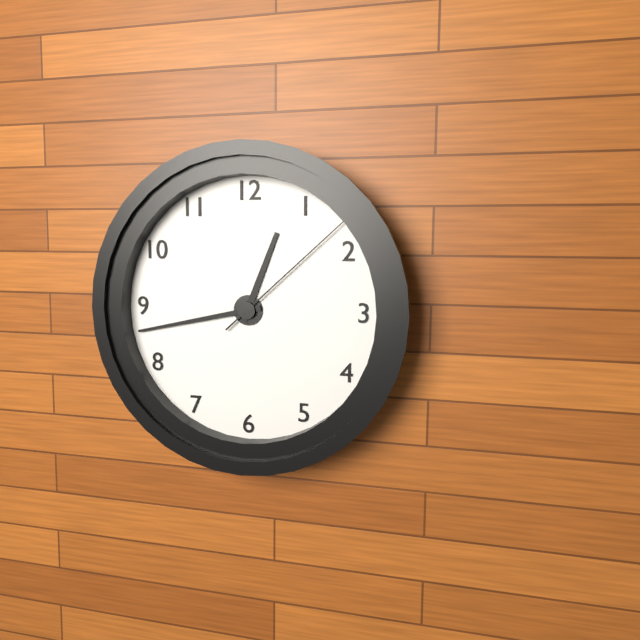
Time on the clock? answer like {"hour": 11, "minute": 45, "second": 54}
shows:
{"hour": 12, "minute": 43, "second": 8}
